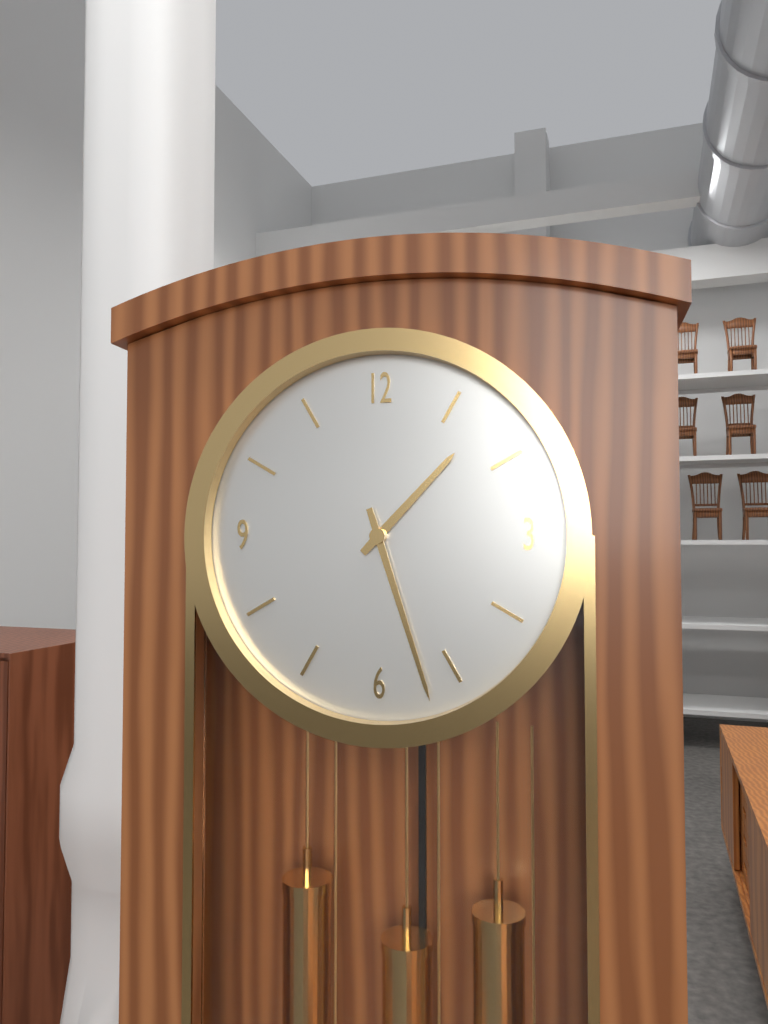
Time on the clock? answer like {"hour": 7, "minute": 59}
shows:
{"hour": 1, "minute": 27}
